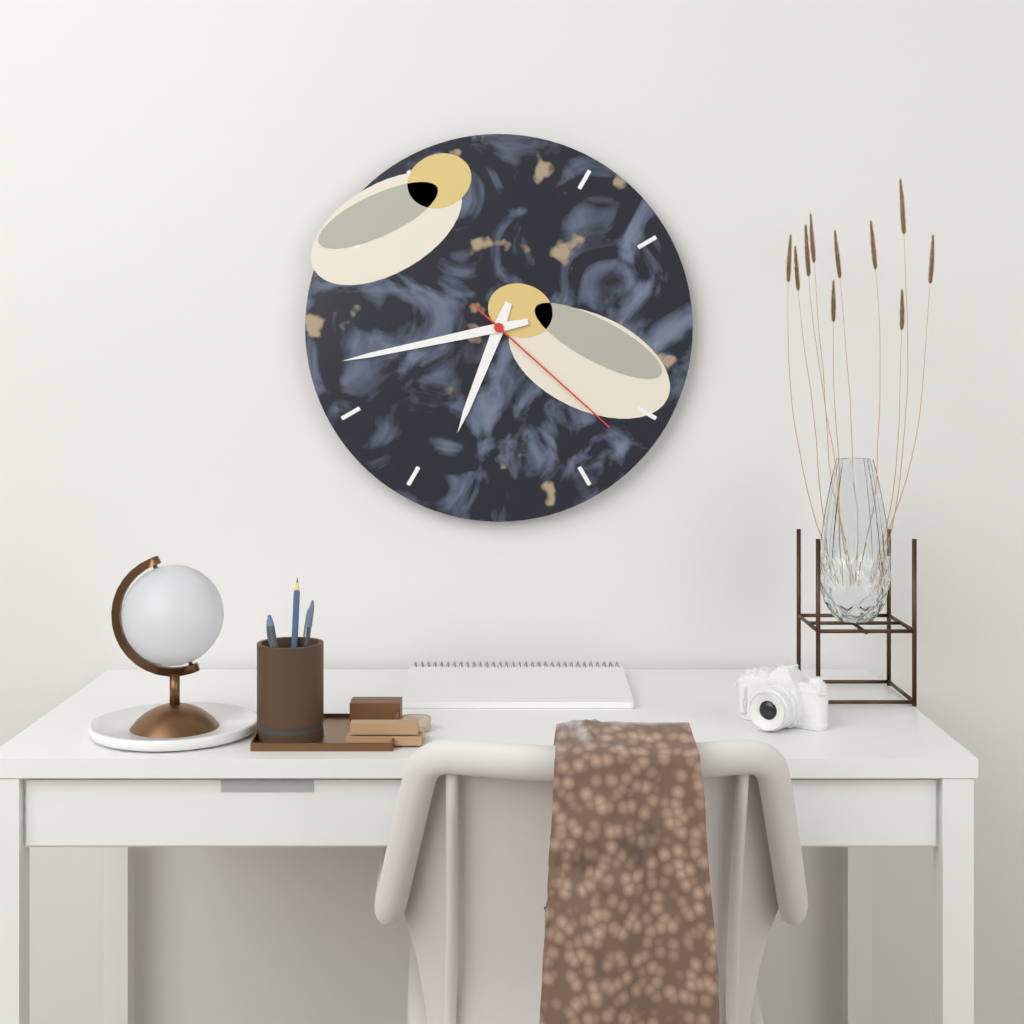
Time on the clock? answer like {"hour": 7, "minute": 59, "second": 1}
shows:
{"hour": 6, "minute": 43, "second": 22}
